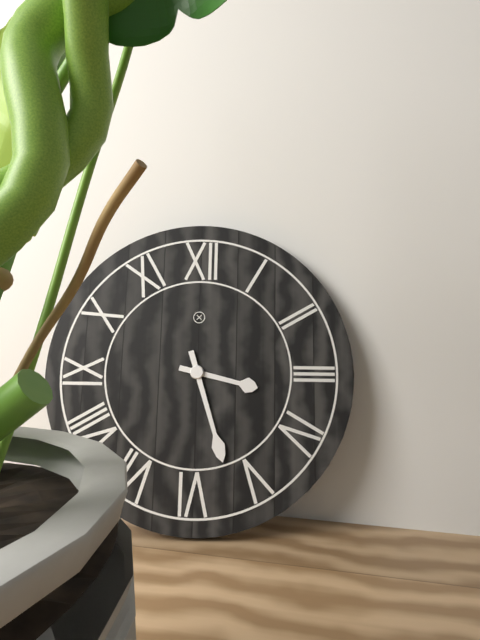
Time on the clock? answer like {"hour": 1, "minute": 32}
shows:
{"hour": 3, "minute": 27}
